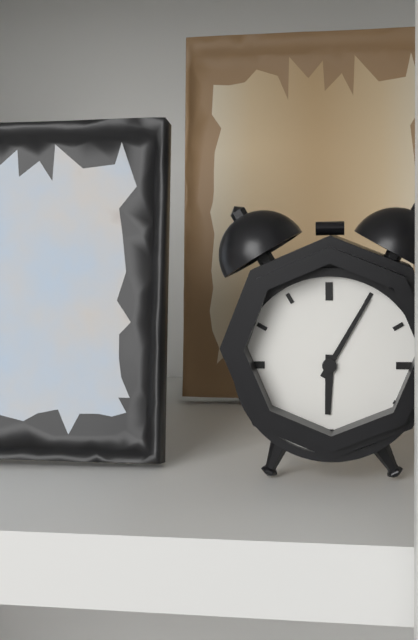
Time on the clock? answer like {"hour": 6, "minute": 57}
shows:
{"hour": 6, "minute": 5}
